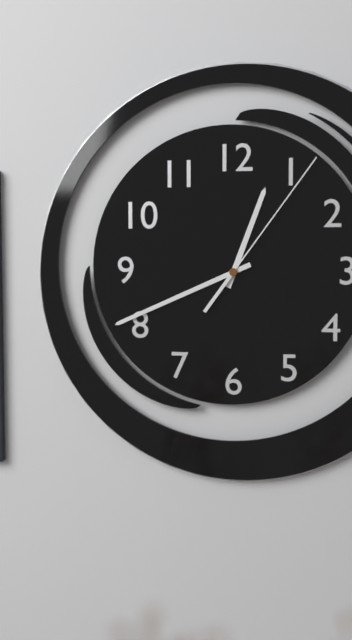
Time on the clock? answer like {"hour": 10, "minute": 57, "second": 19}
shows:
{"hour": 12, "minute": 41, "second": 6}
